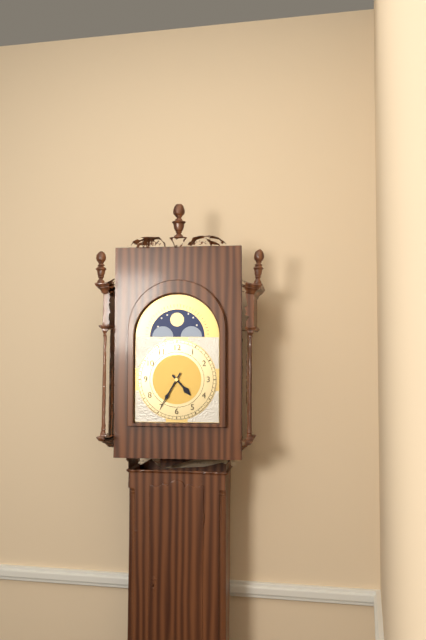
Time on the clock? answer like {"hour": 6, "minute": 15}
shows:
{"hour": 4, "minute": 35}
